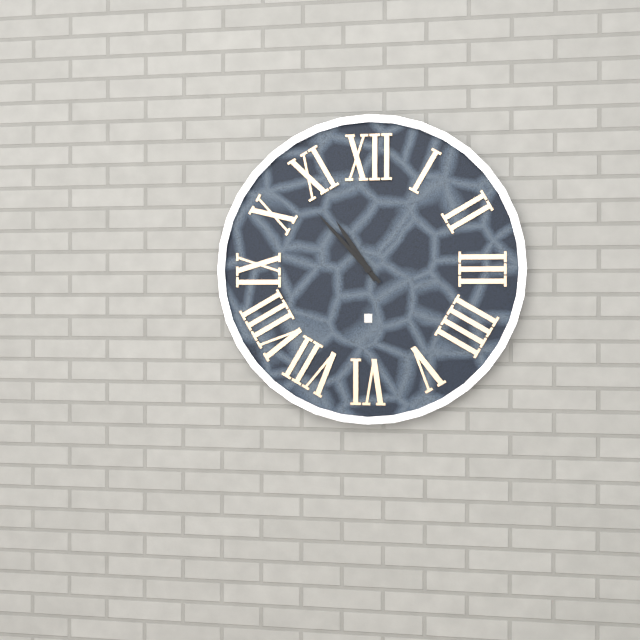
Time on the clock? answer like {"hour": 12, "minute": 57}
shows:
{"hour": 10, "minute": 53}
